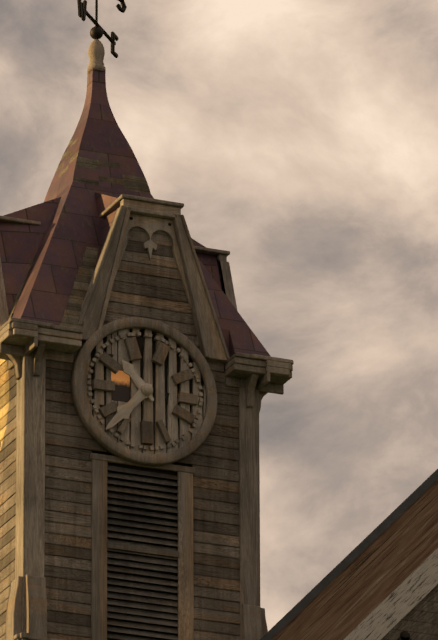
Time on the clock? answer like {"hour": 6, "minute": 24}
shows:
{"hour": 10, "minute": 37}
